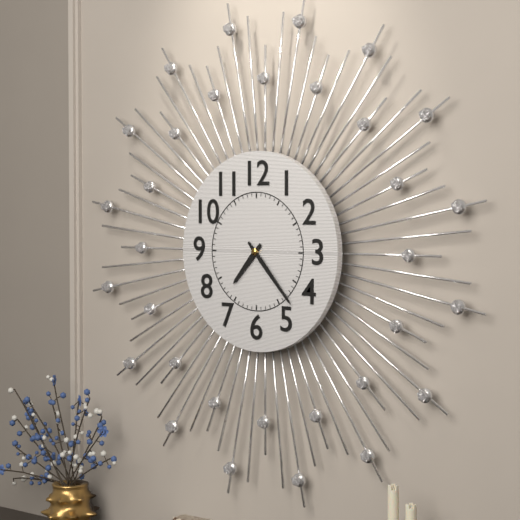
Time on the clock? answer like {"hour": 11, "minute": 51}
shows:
{"hour": 7, "minute": 23}
